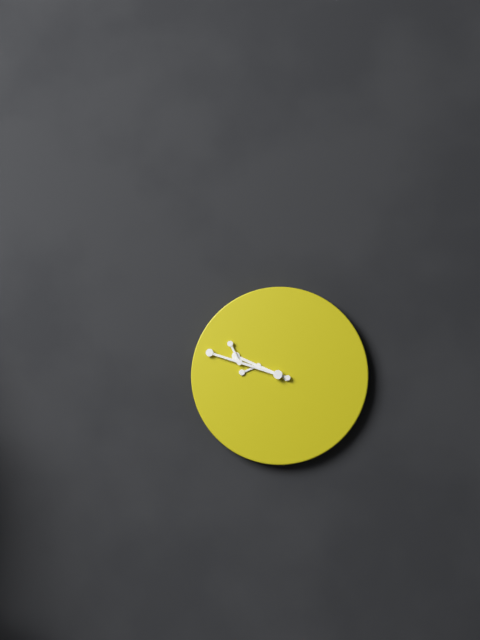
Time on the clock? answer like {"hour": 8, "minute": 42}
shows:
{"hour": 9, "minute": 48}
